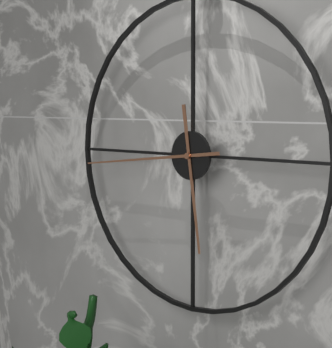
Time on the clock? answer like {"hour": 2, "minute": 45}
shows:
{"hour": 5, "minute": 44}
